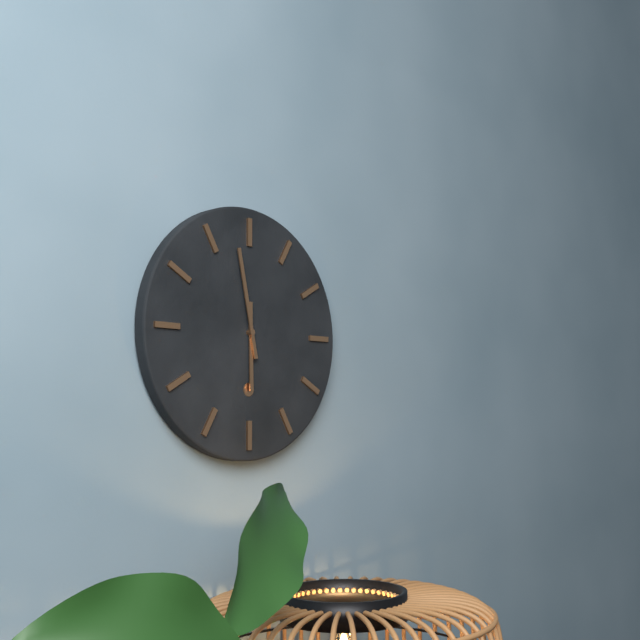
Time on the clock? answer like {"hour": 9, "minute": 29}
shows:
{"hour": 5, "minute": 58}
